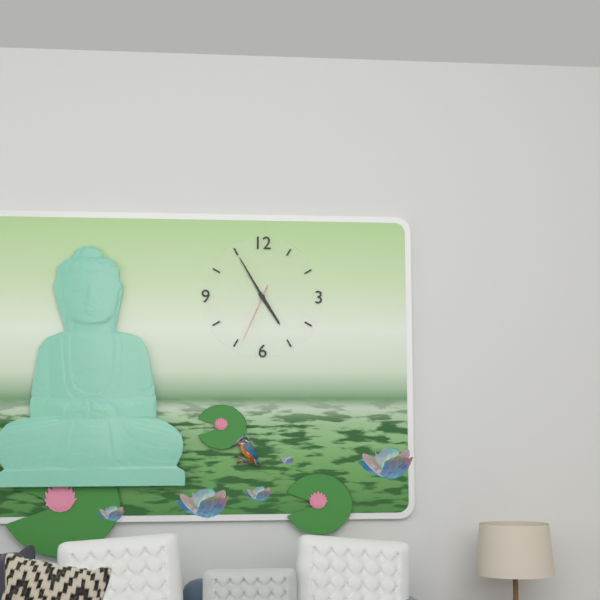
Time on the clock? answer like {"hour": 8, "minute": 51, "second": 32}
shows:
{"hour": 4, "minute": 55, "second": 34}
